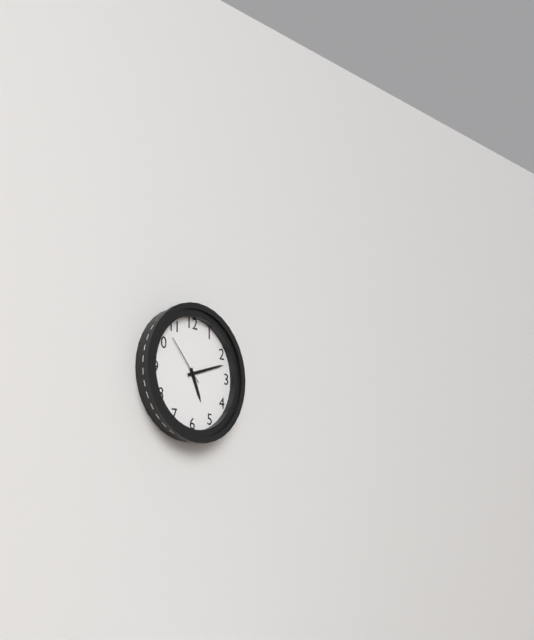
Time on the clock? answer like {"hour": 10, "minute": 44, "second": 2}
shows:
{"hour": 5, "minute": 12, "second": 53}
